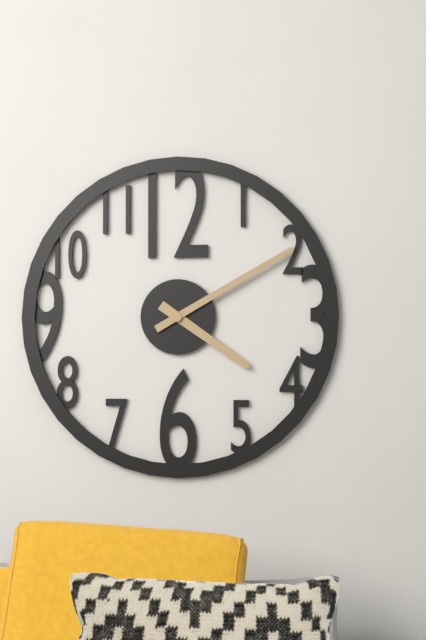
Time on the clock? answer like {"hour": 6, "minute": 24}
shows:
{"hour": 4, "minute": 10}
